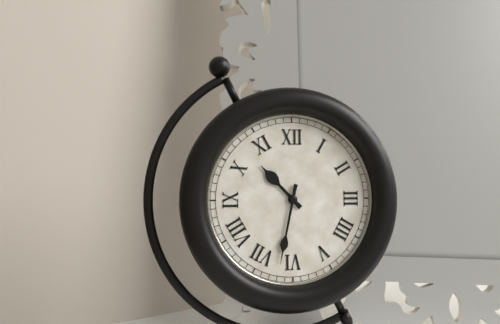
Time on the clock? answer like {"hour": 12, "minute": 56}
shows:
{"hour": 10, "minute": 32}
